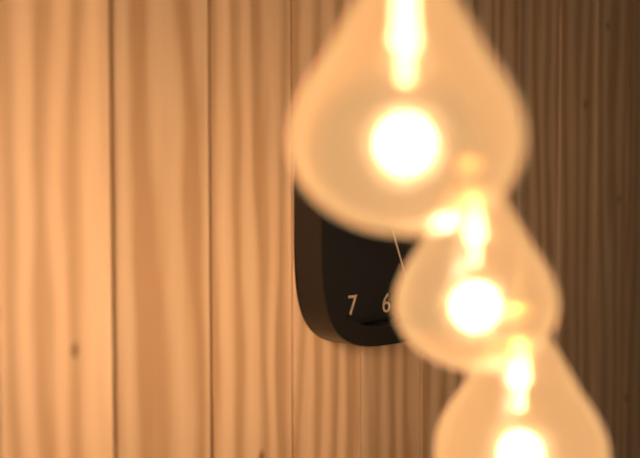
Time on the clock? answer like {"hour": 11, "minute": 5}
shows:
{"hour": 3, "minute": 26}
